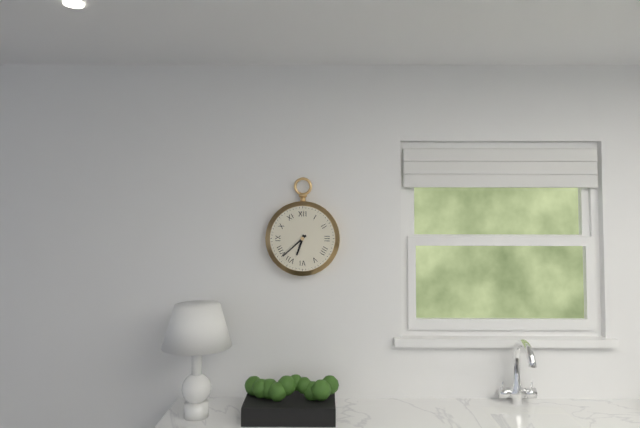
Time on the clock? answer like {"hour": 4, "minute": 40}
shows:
{"hour": 6, "minute": 38}
